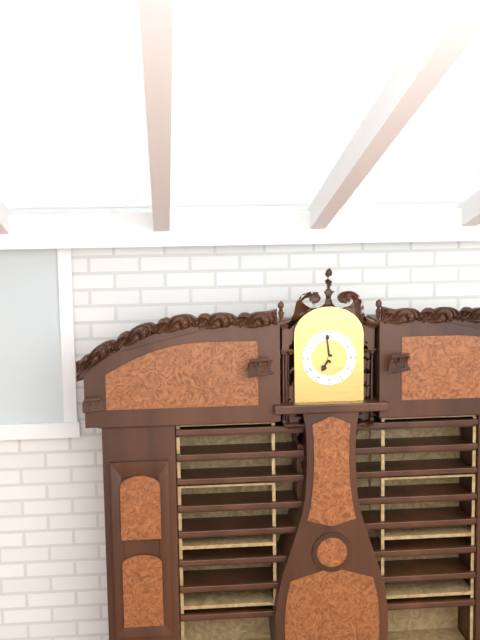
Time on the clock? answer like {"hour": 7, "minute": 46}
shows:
{"hour": 6, "minute": 59}
